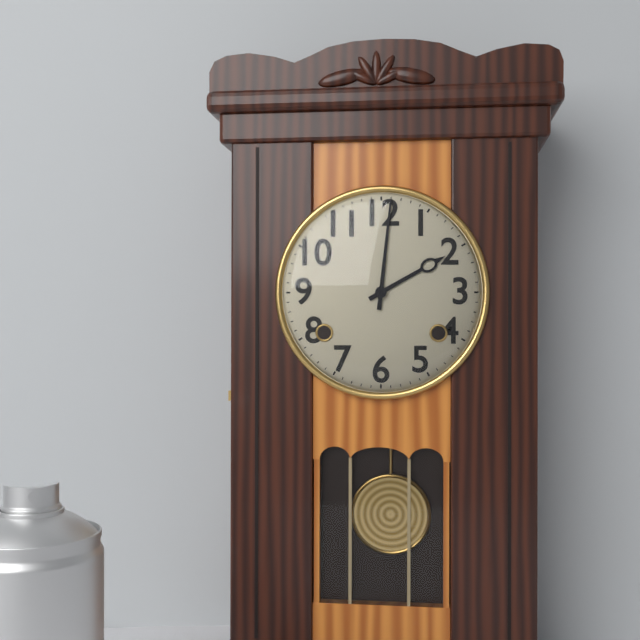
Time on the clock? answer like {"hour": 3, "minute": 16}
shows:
{"hour": 2, "minute": 1}
